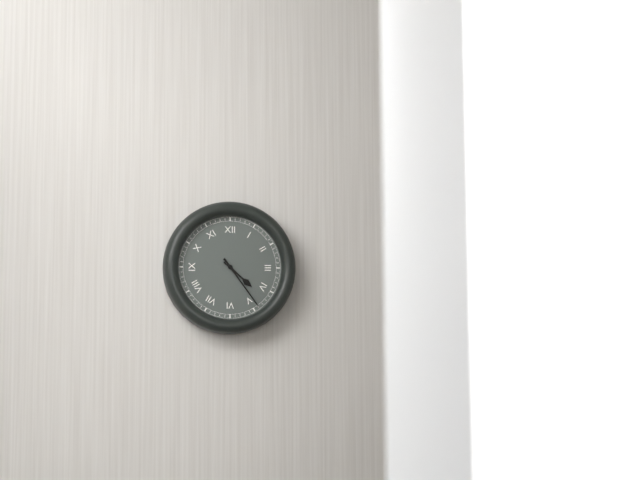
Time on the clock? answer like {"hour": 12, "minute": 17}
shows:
{"hour": 4, "minute": 24}
